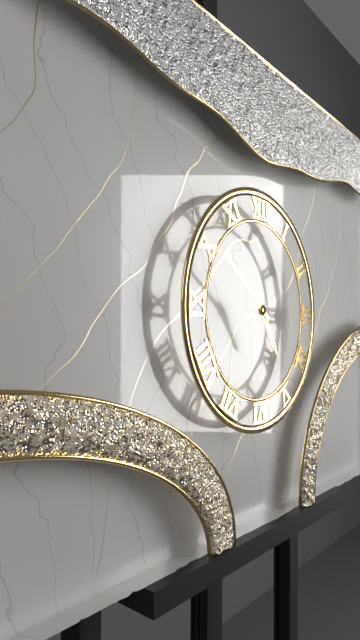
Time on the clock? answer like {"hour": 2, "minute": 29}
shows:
{"hour": 4, "minute": 51}
